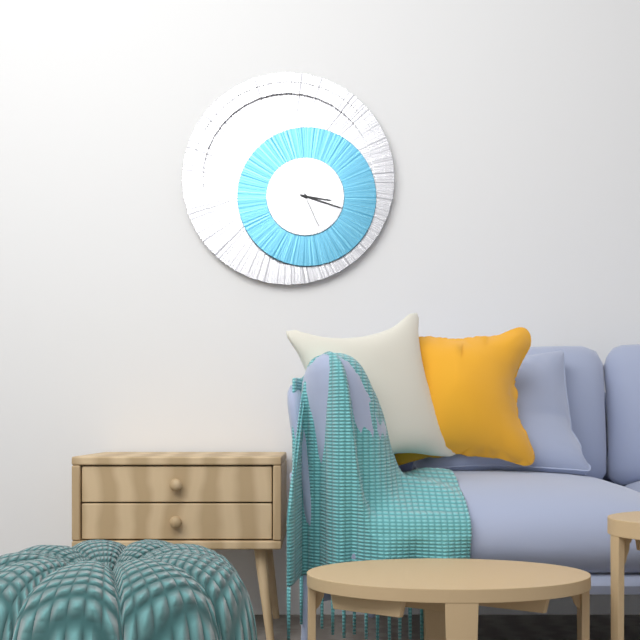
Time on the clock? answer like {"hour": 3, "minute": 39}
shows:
{"hour": 3, "minute": 18}
